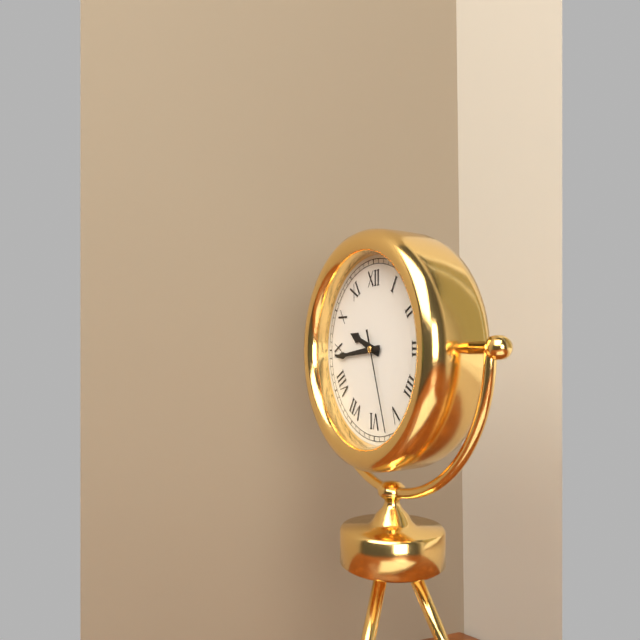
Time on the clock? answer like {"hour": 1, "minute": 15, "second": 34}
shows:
{"hour": 9, "minute": 44, "second": 27}
